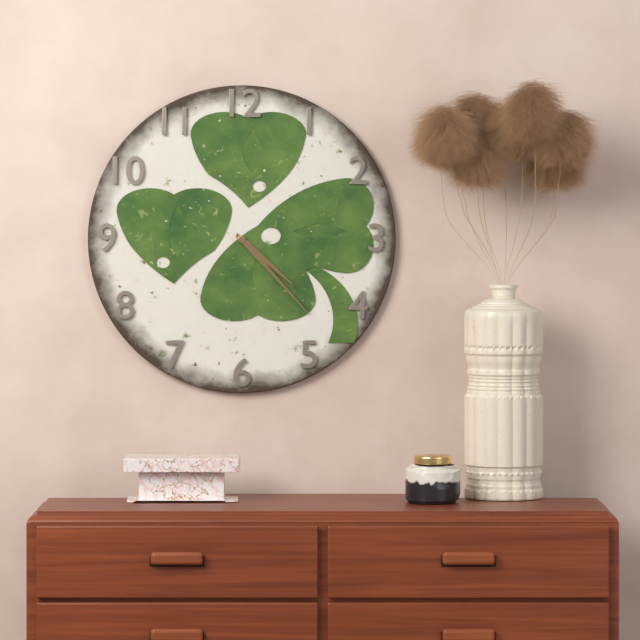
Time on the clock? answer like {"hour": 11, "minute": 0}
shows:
{"hour": 4, "minute": 23}
